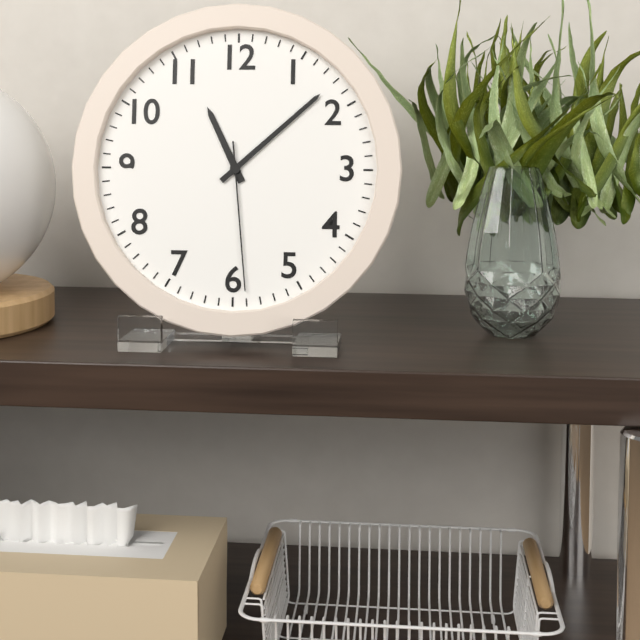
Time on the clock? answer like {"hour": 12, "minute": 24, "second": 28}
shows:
{"hour": 11, "minute": 8, "second": 29}
